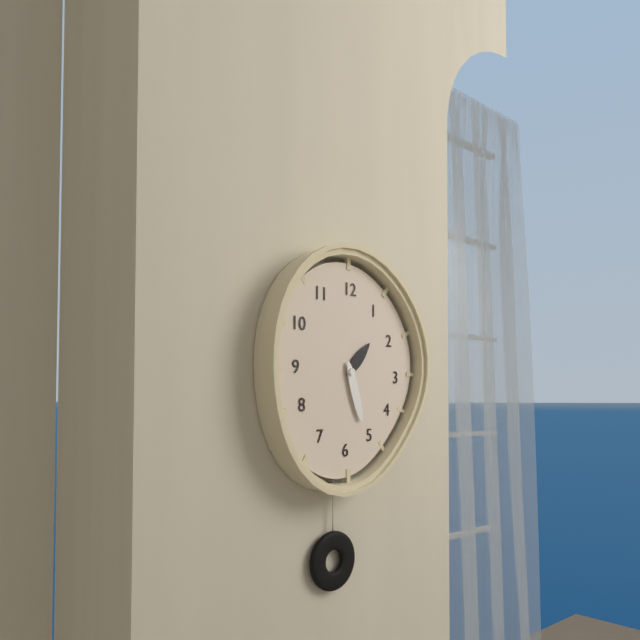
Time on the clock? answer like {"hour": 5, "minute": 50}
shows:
{"hour": 1, "minute": 27}
